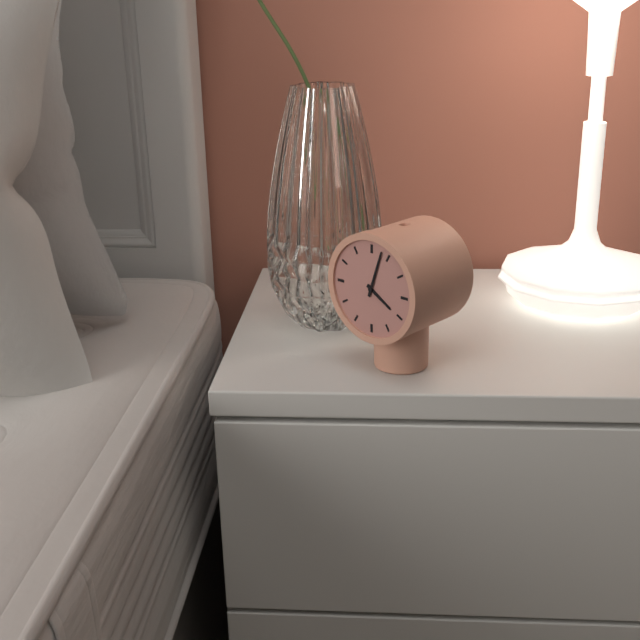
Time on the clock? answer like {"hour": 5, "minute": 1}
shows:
{"hour": 4, "minute": 3}
